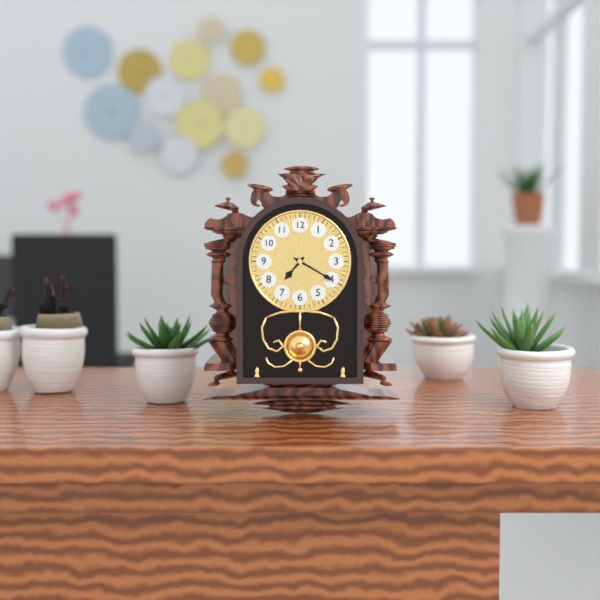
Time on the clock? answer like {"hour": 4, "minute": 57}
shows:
{"hour": 7, "minute": 20}
